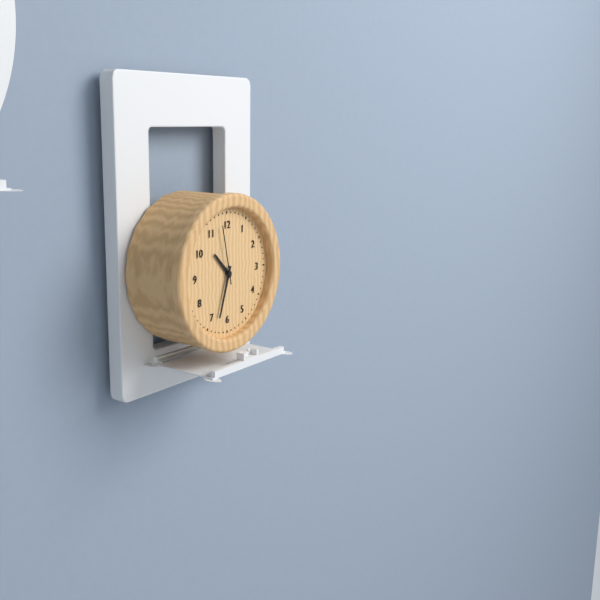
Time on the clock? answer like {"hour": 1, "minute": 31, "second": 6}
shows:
{"hour": 10, "minute": 33, "second": 58}
